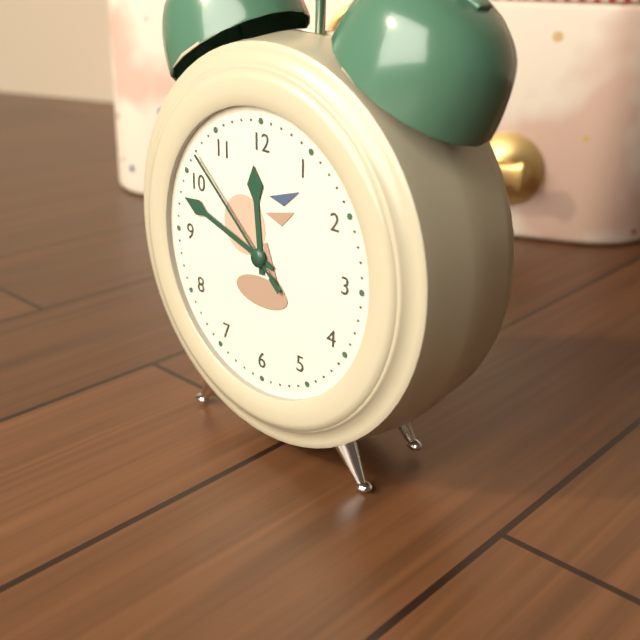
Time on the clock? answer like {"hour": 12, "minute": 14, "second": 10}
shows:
{"hour": 11, "minute": 48, "second": 52}
